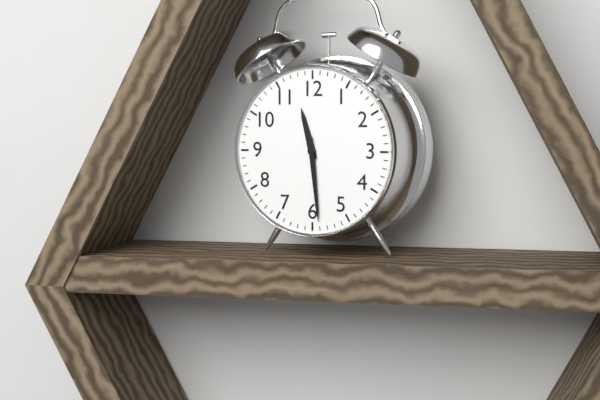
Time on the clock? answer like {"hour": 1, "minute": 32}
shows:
{"hour": 11, "minute": 29}
